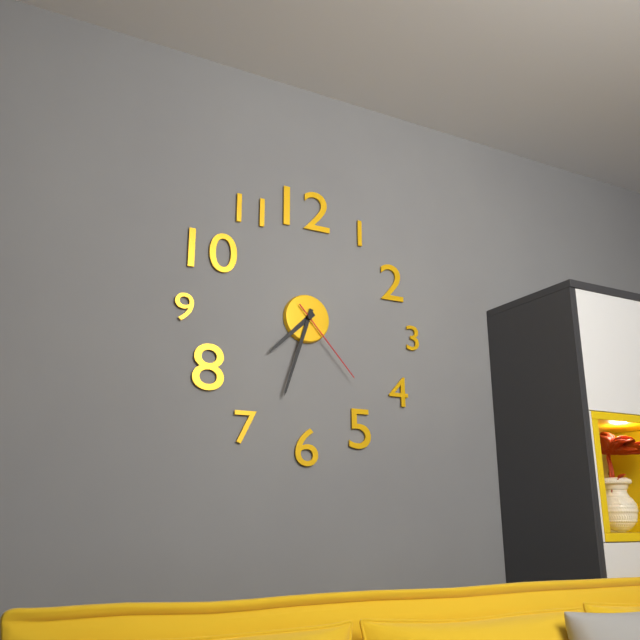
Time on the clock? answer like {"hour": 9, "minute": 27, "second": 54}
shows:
{"hour": 7, "minute": 33, "second": 23}
